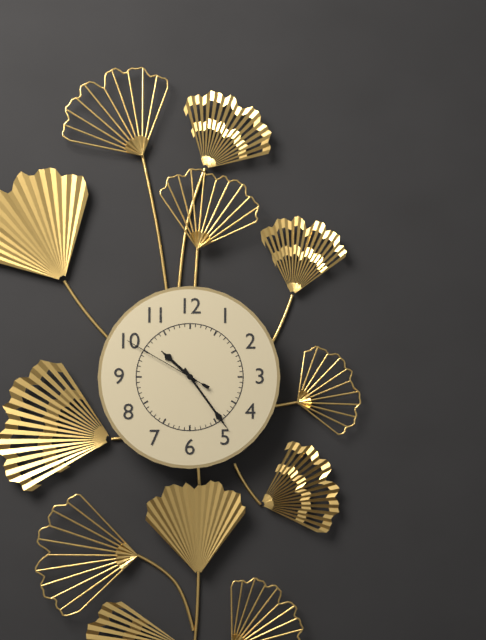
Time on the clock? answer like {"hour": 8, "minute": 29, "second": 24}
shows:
{"hour": 10, "minute": 24, "second": 50}
